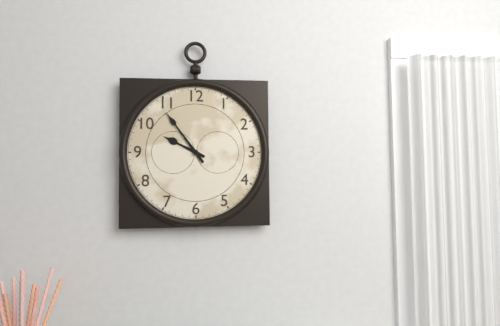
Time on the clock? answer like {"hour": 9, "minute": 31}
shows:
{"hour": 9, "minute": 54}
